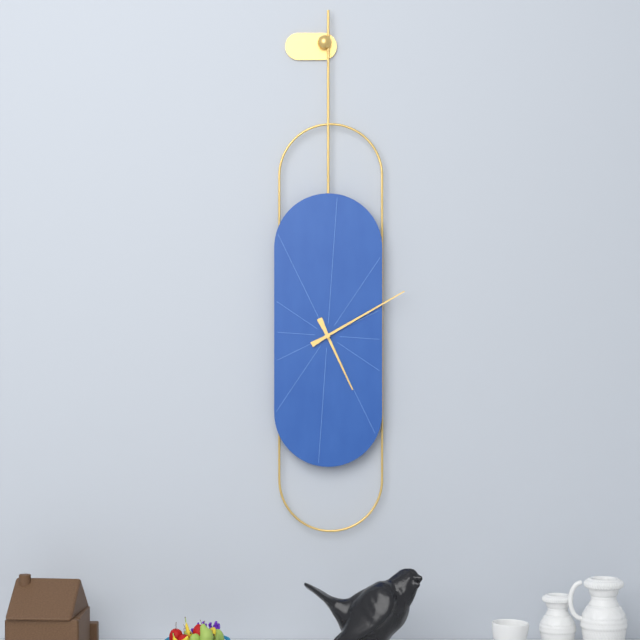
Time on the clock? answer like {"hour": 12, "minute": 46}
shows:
{"hour": 5, "minute": 10}
